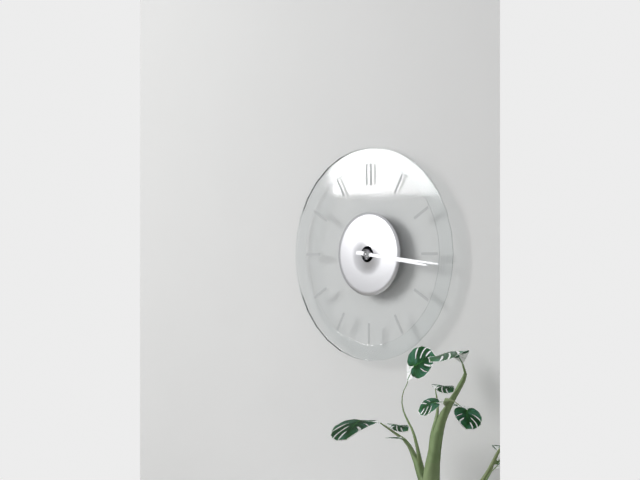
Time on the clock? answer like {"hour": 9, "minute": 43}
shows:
{"hour": 3, "minute": 16}
